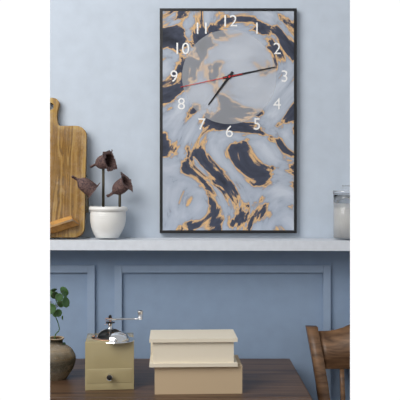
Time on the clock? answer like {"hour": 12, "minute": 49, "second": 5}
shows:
{"hour": 7, "minute": 13, "second": 43}
